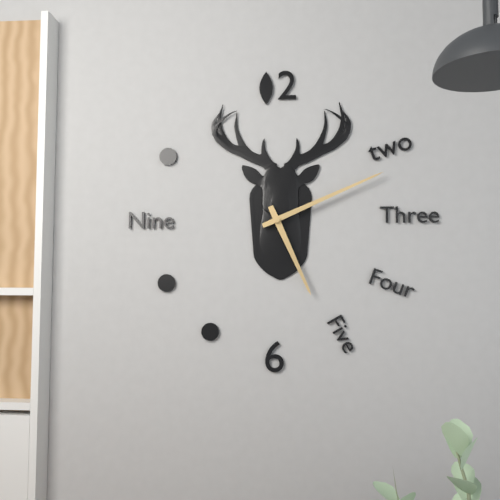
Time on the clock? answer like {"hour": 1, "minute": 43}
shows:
{"hour": 5, "minute": 11}
